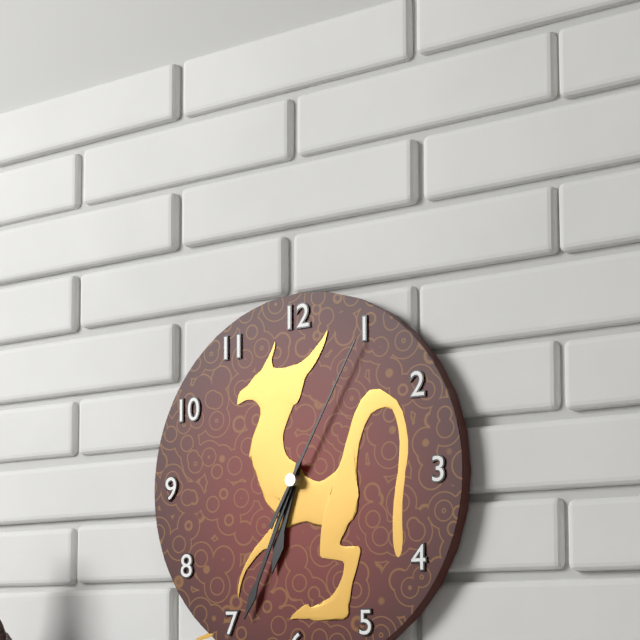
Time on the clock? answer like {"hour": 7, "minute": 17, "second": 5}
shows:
{"hour": 6, "minute": 34, "second": 5}
